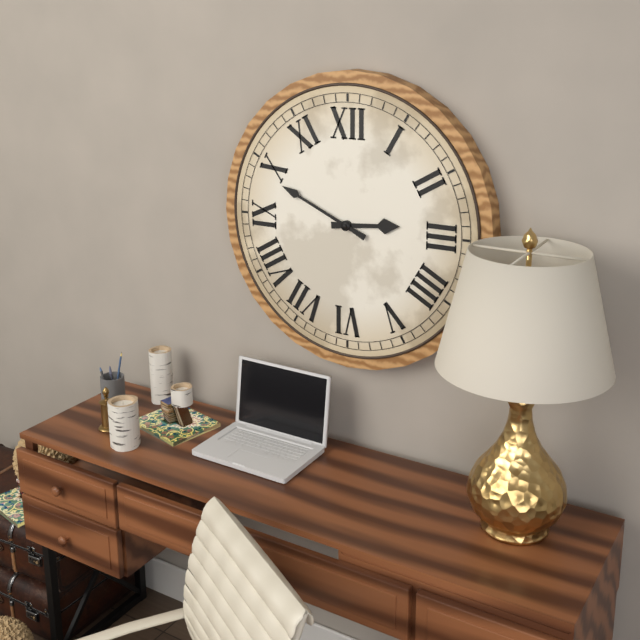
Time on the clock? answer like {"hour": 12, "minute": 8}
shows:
{"hour": 2, "minute": 49}
